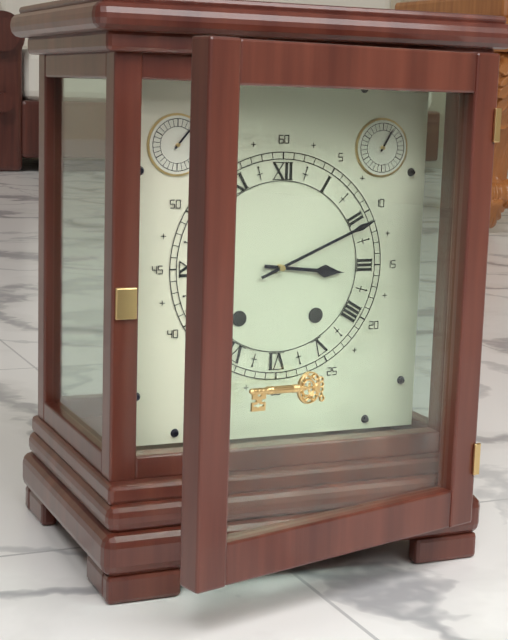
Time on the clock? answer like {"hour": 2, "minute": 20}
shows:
{"hour": 3, "minute": 11}
